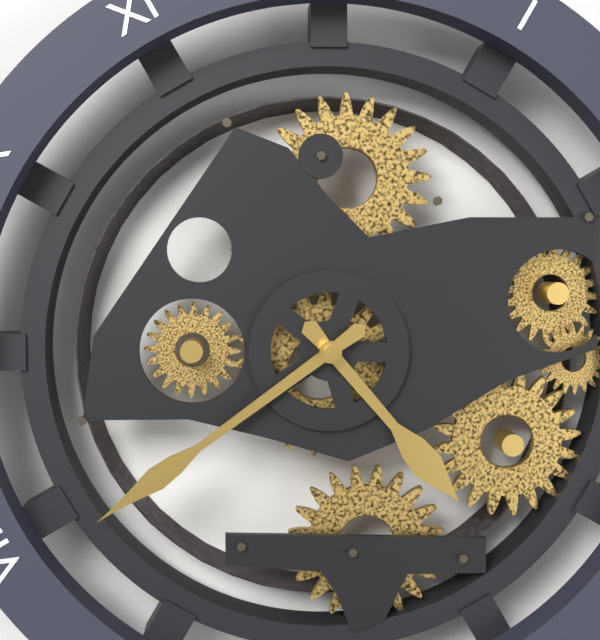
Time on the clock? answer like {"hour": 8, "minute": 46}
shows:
{"hour": 4, "minute": 39}
